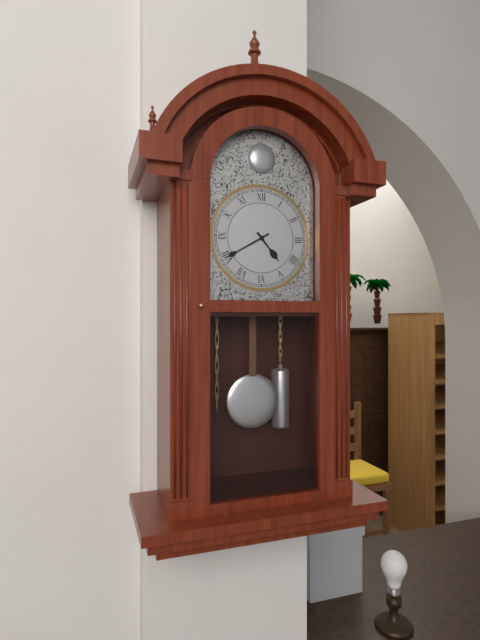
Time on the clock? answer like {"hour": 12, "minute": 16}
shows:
{"hour": 4, "minute": 40}
